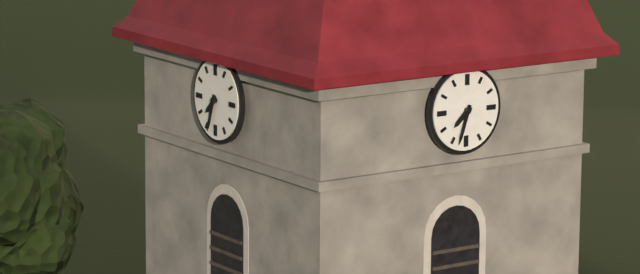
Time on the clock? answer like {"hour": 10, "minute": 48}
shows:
{"hour": 7, "minute": 33}
